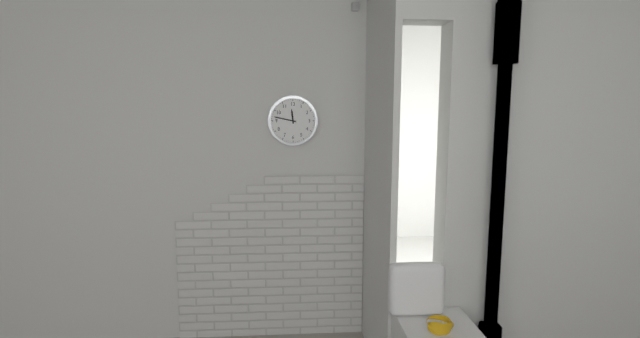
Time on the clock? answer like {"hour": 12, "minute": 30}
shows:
{"hour": 11, "minute": 47}
